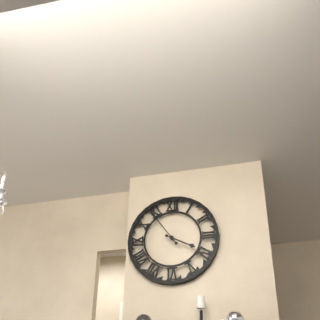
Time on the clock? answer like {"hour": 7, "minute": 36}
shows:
{"hour": 3, "minute": 54}
